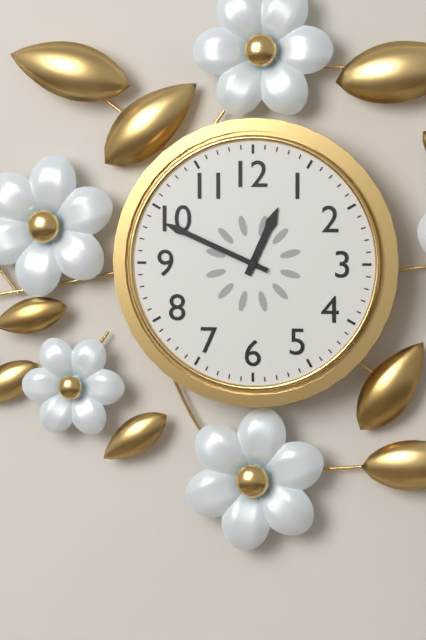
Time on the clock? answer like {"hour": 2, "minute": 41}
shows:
{"hour": 12, "minute": 49}
